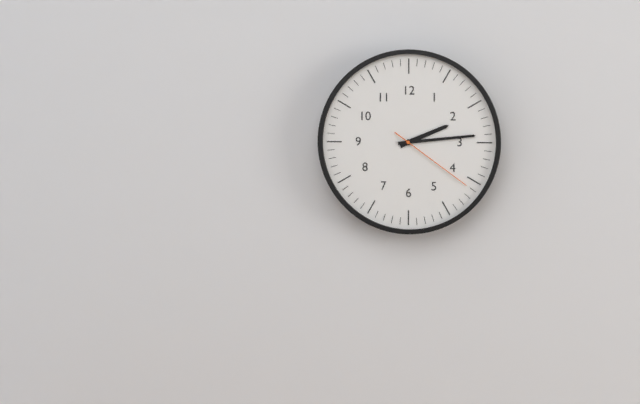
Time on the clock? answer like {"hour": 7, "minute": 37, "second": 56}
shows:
{"hour": 2, "minute": 14, "second": 21}
